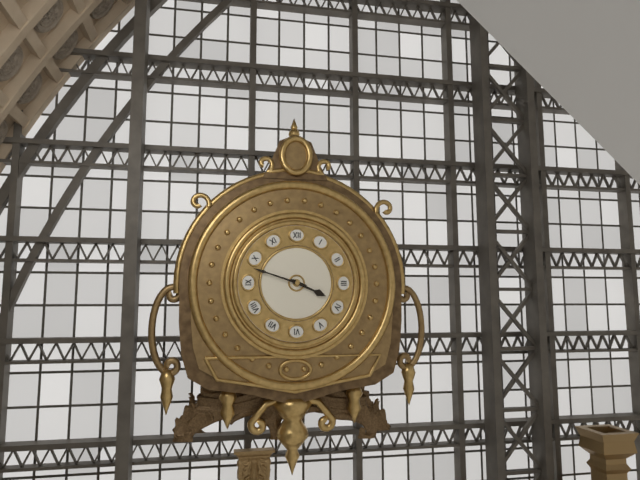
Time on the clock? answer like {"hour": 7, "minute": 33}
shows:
{"hour": 3, "minute": 48}
